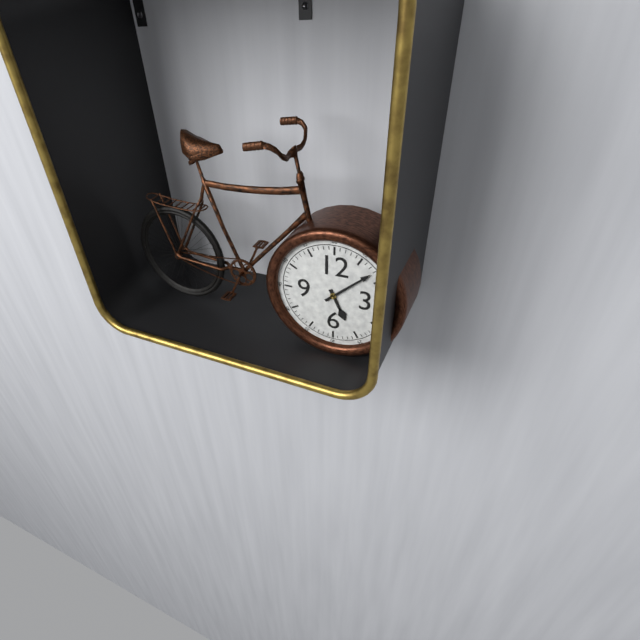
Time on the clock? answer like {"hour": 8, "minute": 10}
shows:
{"hour": 5, "minute": 8}
